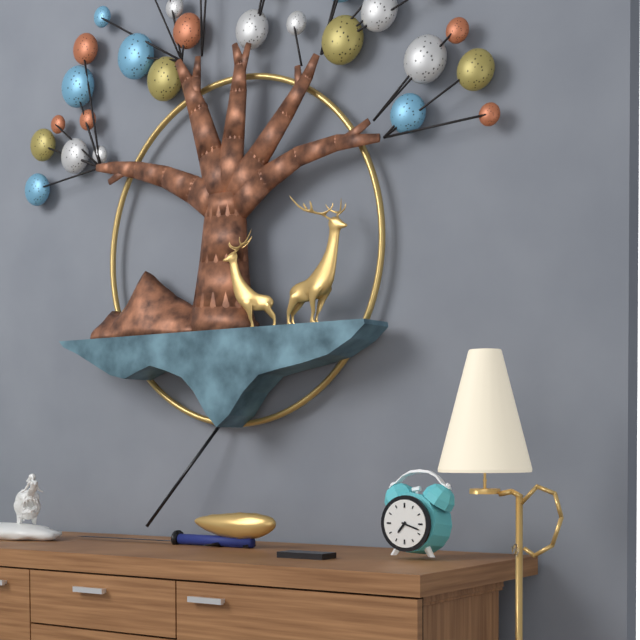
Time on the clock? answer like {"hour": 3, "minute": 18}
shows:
{"hour": 7, "minute": 18}
